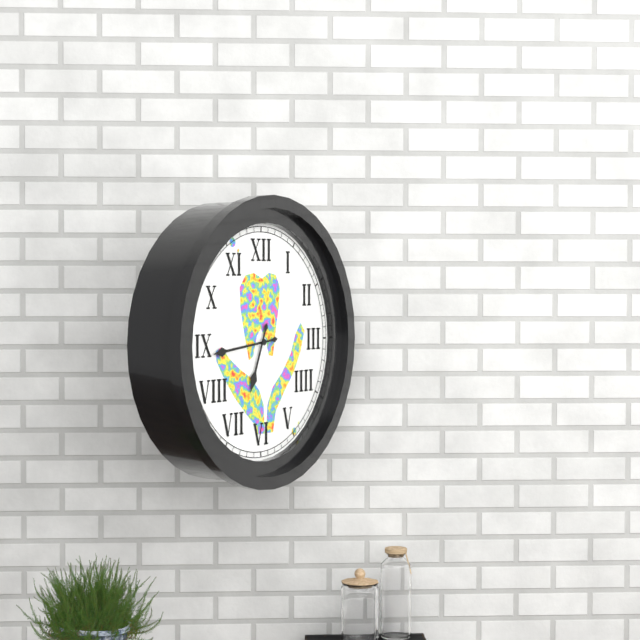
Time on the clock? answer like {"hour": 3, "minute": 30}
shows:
{"hour": 6, "minute": 44}
